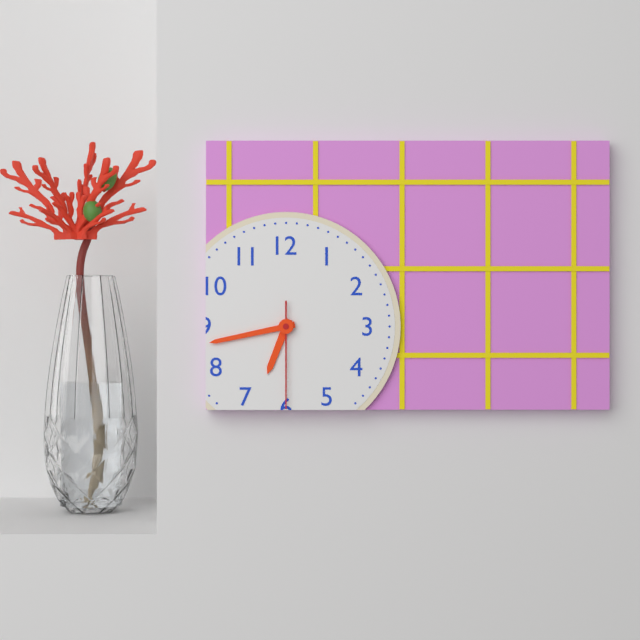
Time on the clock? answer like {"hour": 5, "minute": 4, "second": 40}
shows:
{"hour": 6, "minute": 43, "second": 30}
